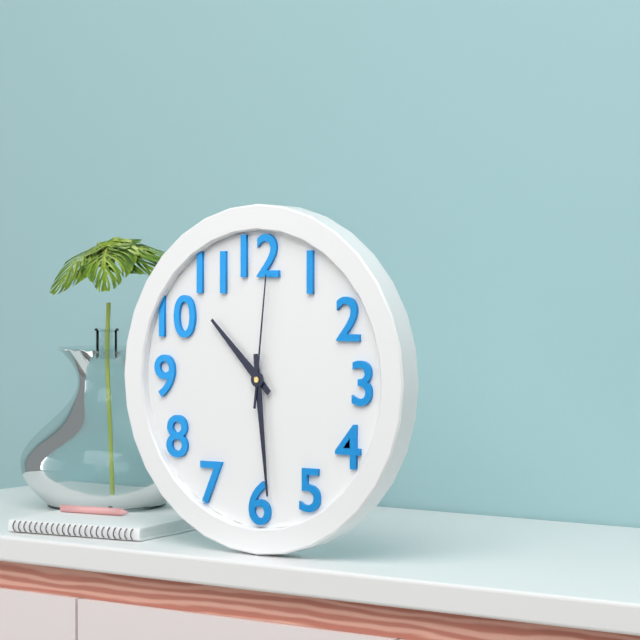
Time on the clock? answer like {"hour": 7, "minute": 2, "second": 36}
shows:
{"hour": 10, "minute": 29, "second": 1}
